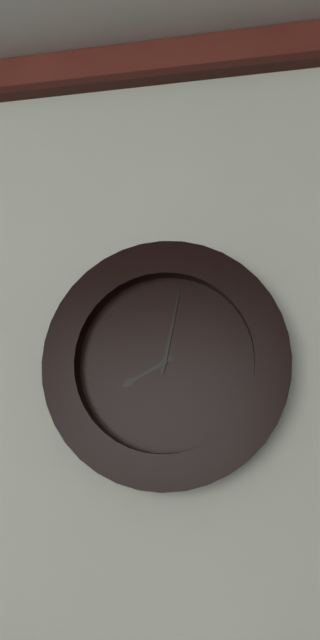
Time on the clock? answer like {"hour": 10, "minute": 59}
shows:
{"hour": 8, "minute": 2}
